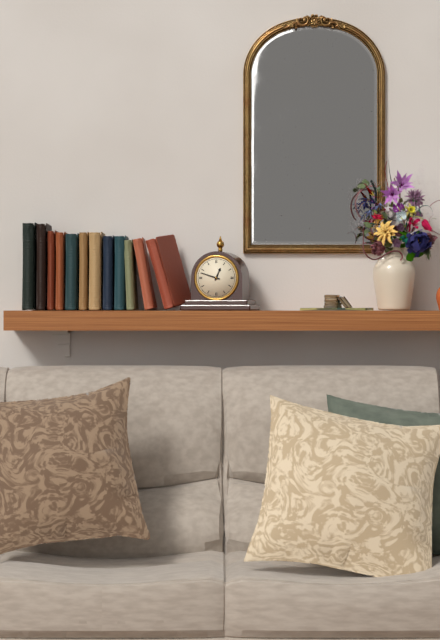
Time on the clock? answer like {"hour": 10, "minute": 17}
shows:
{"hour": 12, "minute": 48}
